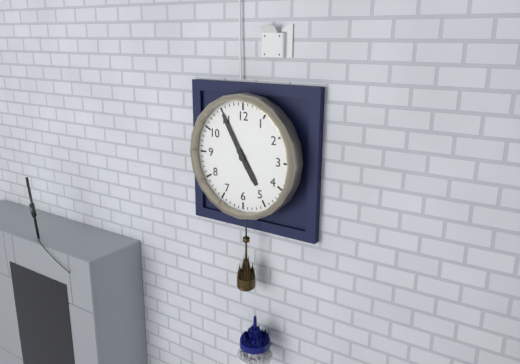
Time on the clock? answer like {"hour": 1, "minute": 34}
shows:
{"hour": 4, "minute": 55}
